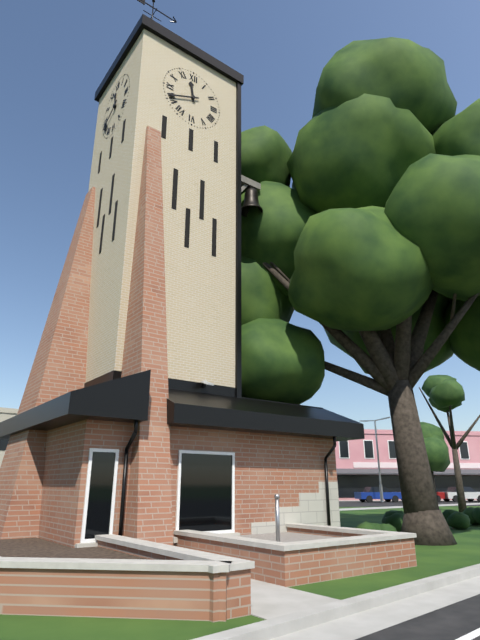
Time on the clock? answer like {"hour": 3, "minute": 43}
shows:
{"hour": 11, "minute": 41}
